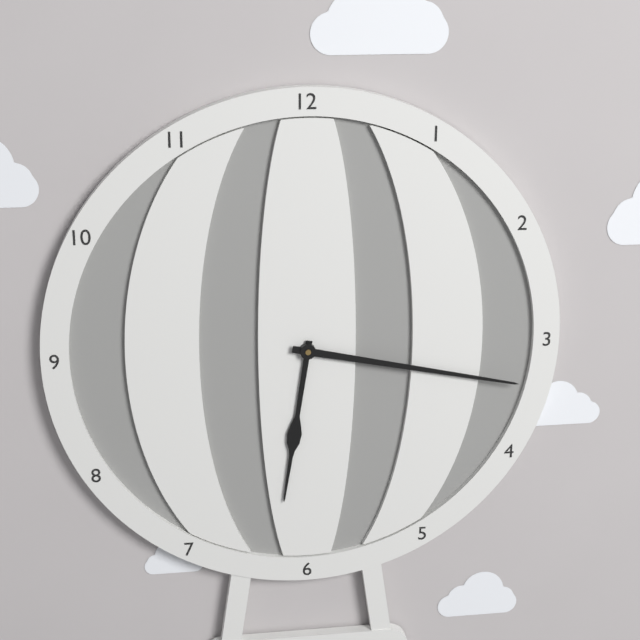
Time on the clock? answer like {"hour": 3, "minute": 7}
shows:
{"hour": 6, "minute": 17}
